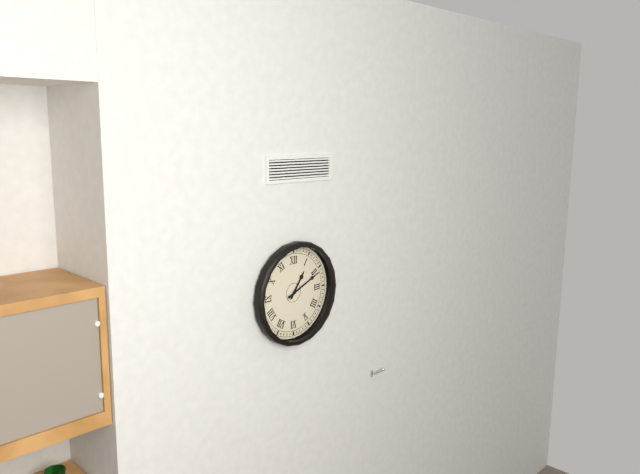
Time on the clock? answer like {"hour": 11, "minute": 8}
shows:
{"hour": 1, "minute": 11}
